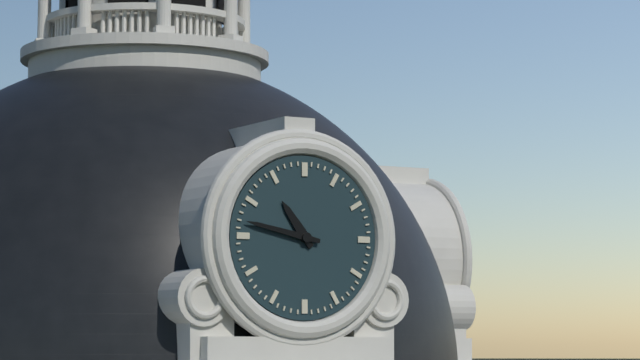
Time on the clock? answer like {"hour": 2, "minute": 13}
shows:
{"hour": 10, "minute": 47}
